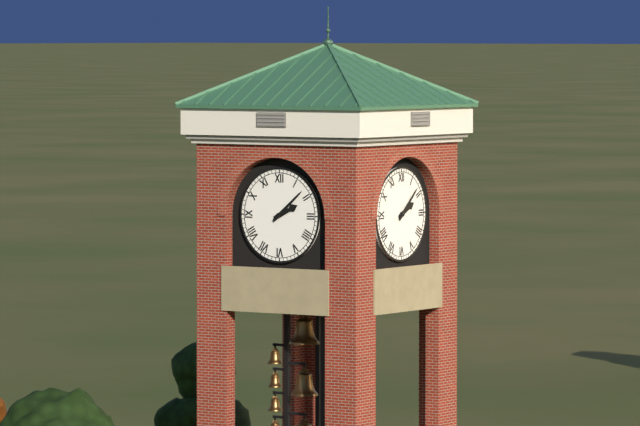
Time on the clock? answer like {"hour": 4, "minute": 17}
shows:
{"hour": 2, "minute": 8}
